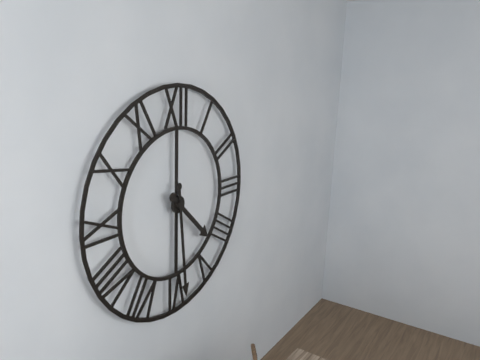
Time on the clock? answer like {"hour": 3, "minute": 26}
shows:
{"hour": 4, "minute": 29}
